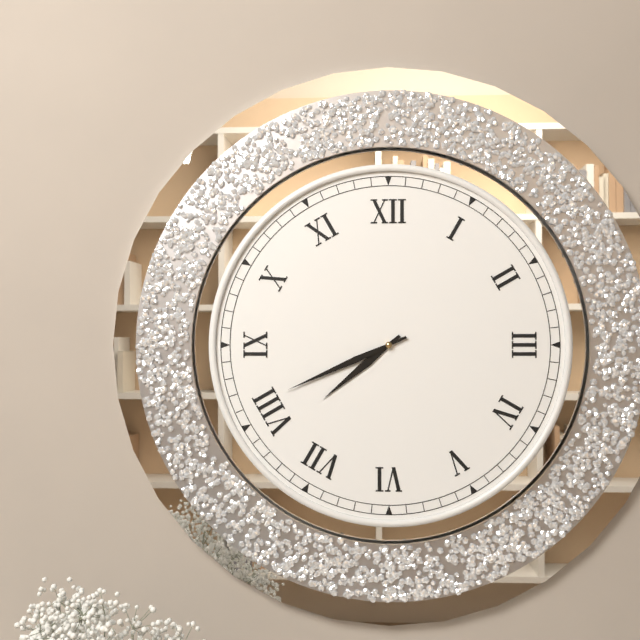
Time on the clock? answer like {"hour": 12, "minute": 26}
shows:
{"hour": 7, "minute": 41}
